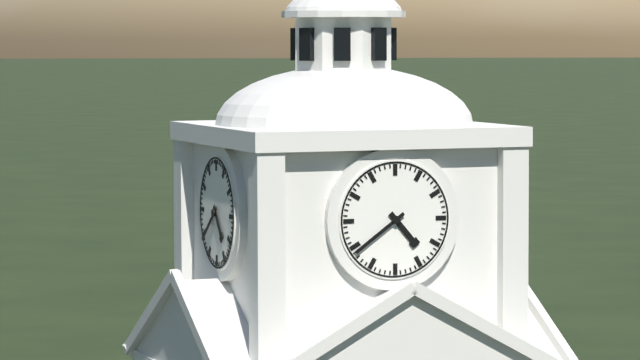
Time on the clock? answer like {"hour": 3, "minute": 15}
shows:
{"hour": 4, "minute": 39}
